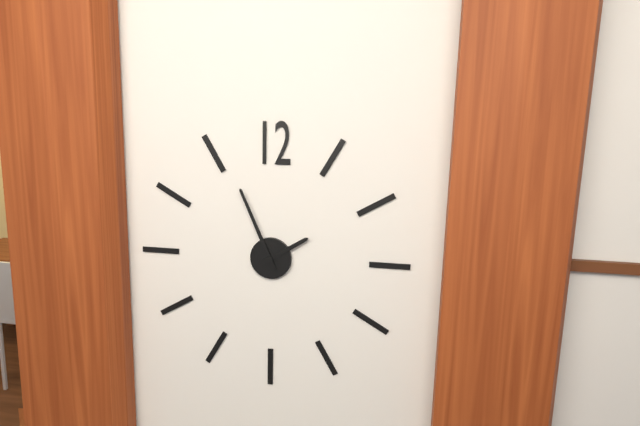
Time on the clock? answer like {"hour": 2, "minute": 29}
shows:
{"hour": 1, "minute": 56}
